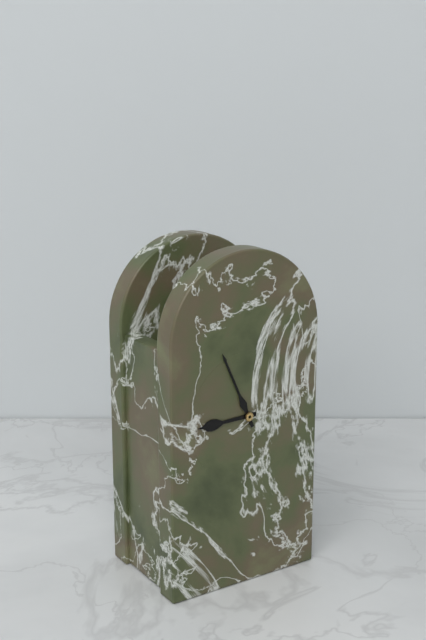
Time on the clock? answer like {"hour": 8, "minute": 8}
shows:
{"hour": 8, "minute": 56}
